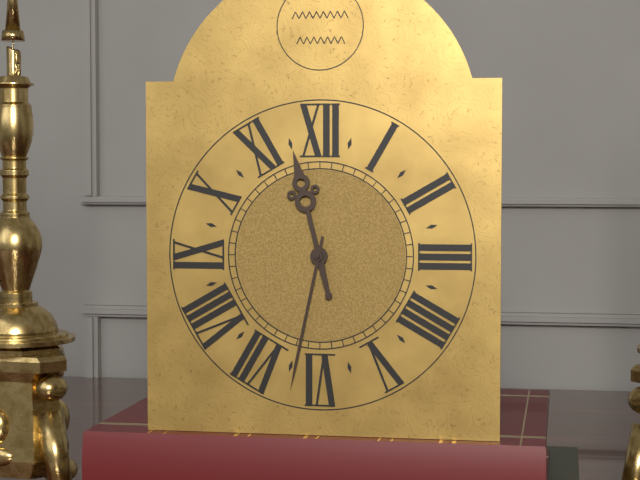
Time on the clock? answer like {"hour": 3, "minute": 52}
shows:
{"hour": 11, "minute": 32}
